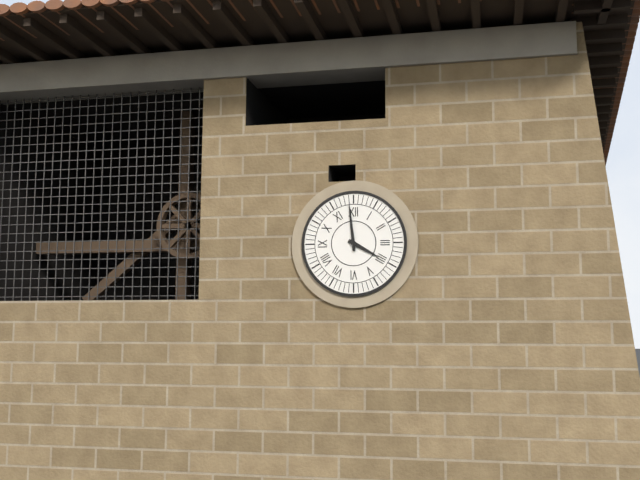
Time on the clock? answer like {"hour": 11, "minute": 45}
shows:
{"hour": 3, "minute": 59}
